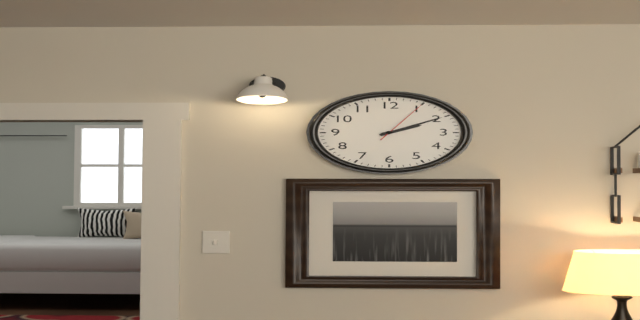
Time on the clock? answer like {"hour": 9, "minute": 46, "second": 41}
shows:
{"hour": 2, "minute": 10, "second": 5}
